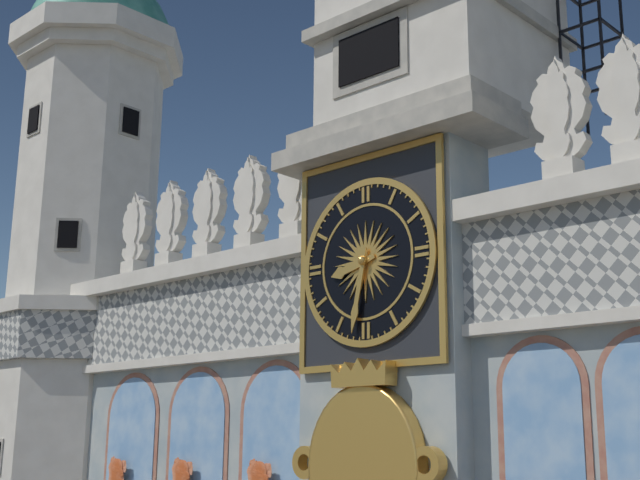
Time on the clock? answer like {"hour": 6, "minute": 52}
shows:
{"hour": 8, "minute": 32}
